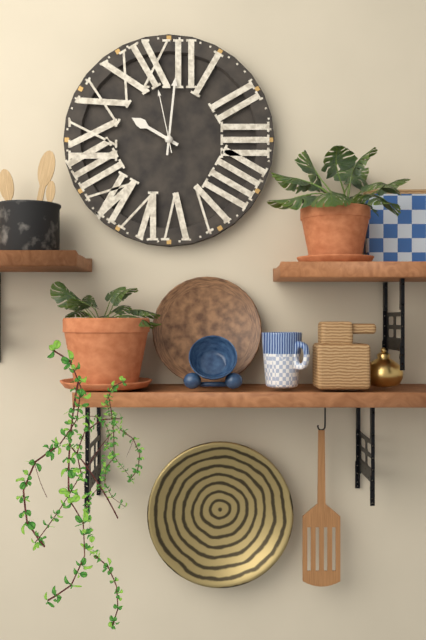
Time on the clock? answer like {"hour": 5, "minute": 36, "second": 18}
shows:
{"hour": 10, "minute": 1, "second": 58}
